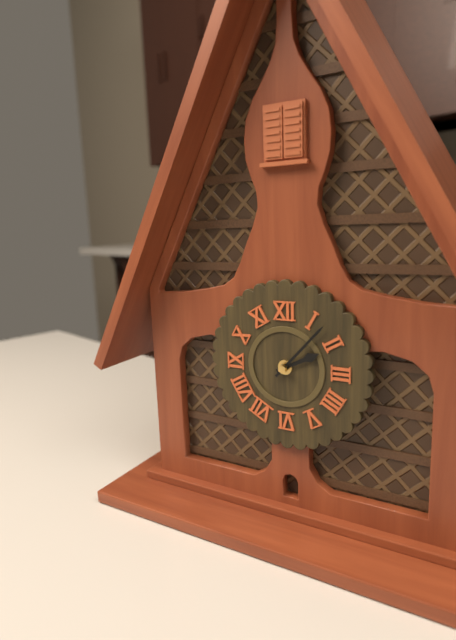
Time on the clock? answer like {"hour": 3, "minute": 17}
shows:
{"hour": 2, "minute": 7}
